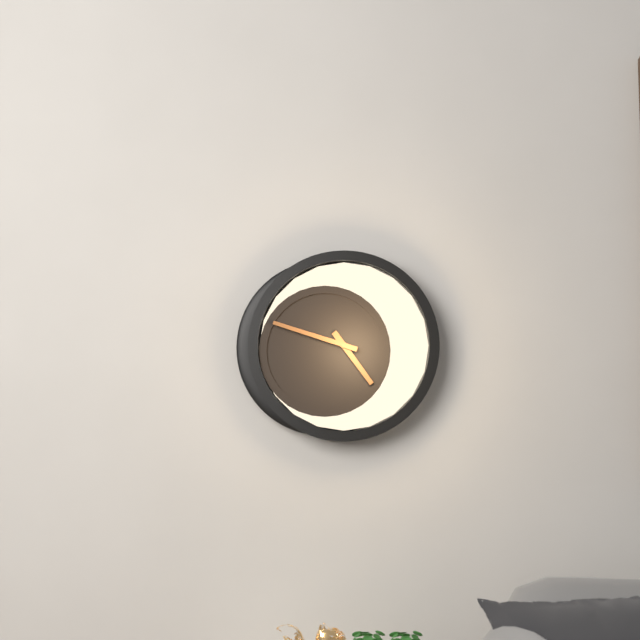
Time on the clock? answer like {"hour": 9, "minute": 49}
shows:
{"hour": 4, "minute": 48}
